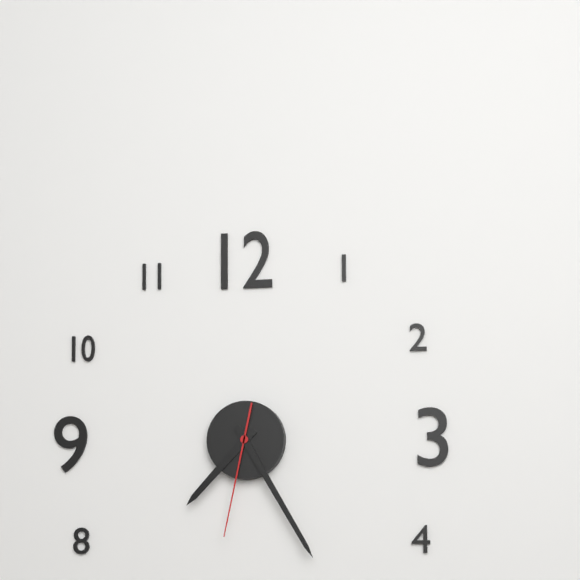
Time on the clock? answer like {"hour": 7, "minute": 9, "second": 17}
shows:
{"hour": 7, "minute": 25, "second": 32}
